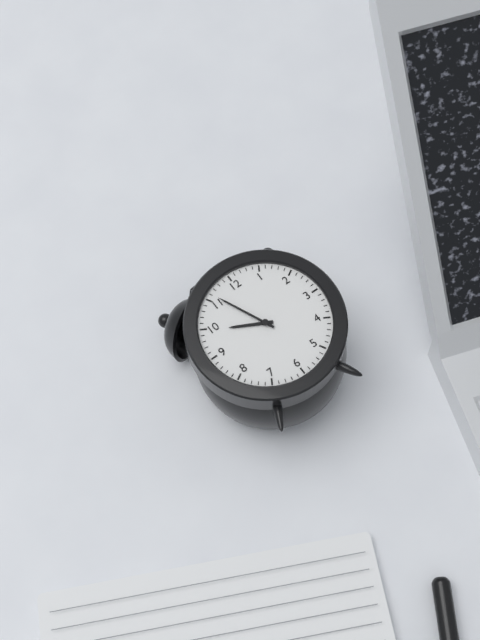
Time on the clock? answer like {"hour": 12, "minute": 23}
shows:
{"hour": 9, "minute": 56}
